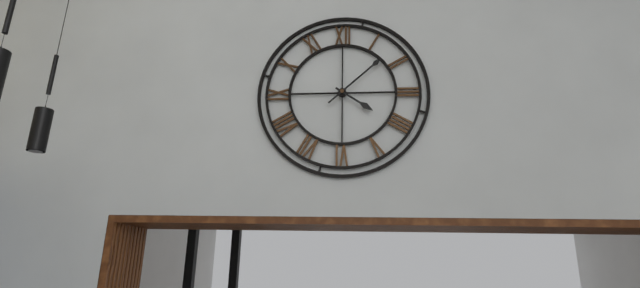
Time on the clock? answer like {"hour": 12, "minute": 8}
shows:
{"hour": 4, "minute": 8}
